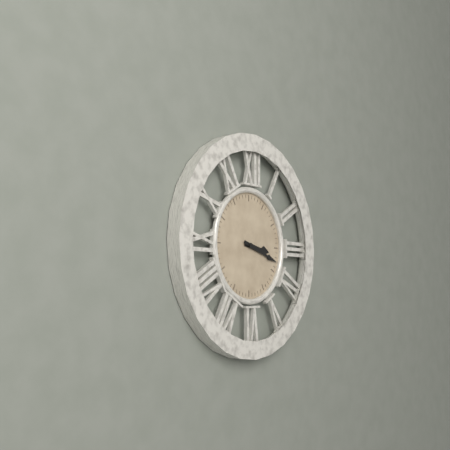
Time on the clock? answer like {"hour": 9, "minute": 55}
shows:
{"hour": 3, "minute": 18}
